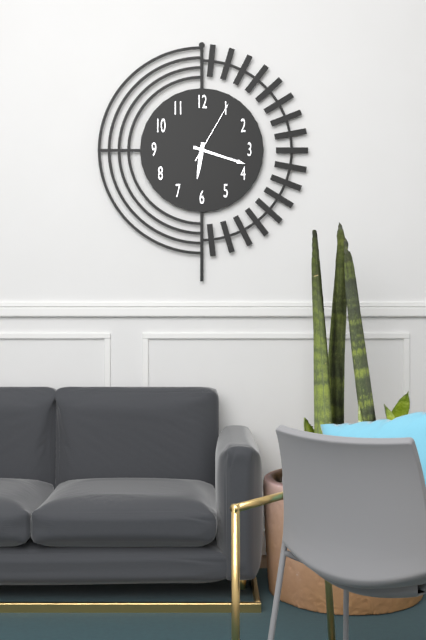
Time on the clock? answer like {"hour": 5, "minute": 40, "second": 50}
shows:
{"hour": 6, "minute": 18, "second": 5}
